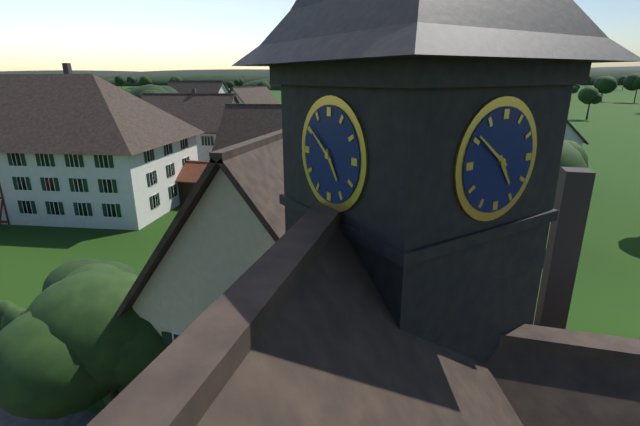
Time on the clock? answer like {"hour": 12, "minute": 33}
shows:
{"hour": 4, "minute": 51}
